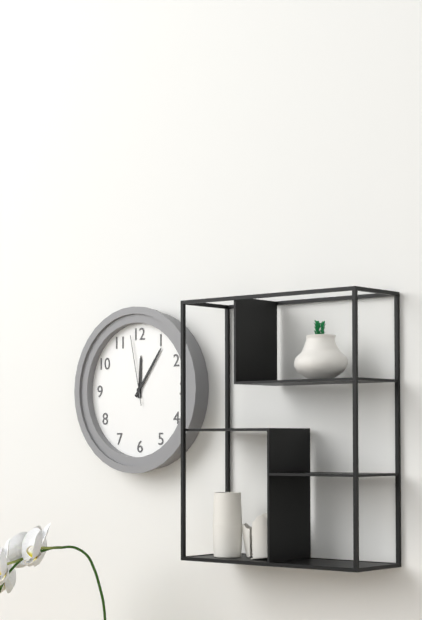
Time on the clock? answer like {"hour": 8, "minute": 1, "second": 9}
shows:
{"hour": 12, "minute": 6, "second": 58}
